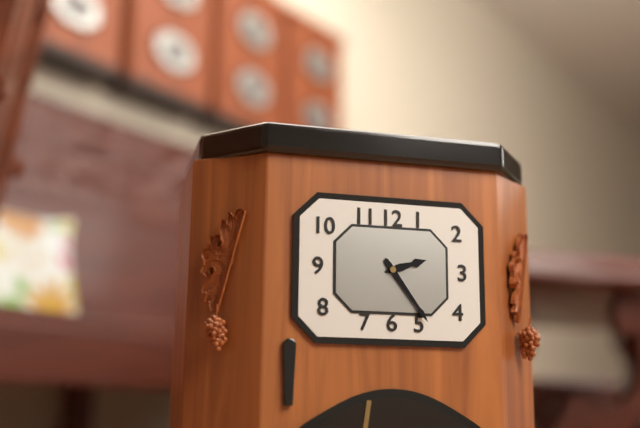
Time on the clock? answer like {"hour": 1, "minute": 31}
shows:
{"hour": 2, "minute": 24}
